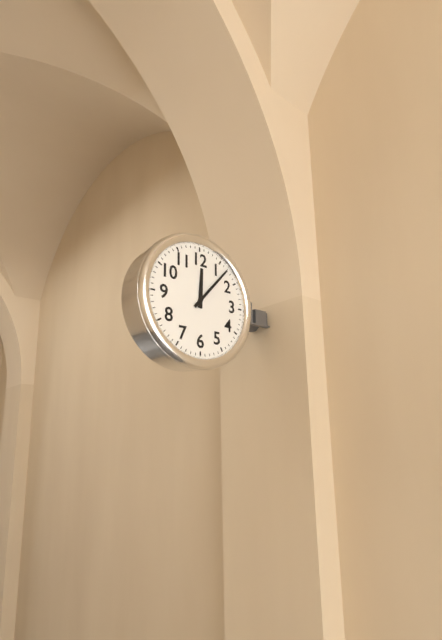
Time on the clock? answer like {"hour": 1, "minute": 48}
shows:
{"hour": 12, "minute": 7}
